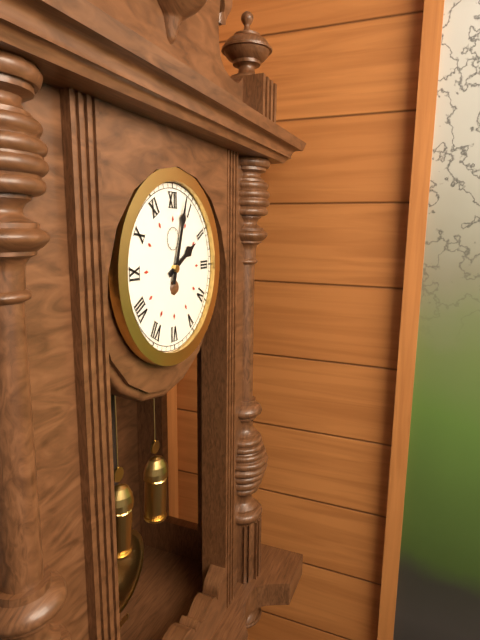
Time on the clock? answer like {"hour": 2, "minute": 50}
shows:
{"hour": 2, "minute": 3}
